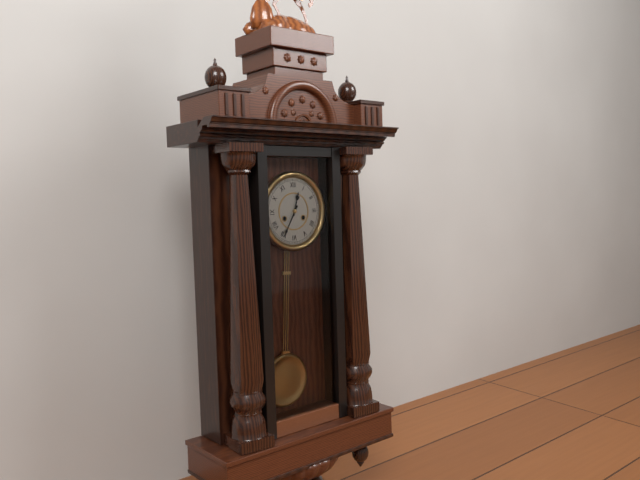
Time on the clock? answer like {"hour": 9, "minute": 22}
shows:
{"hour": 12, "minute": 35}
